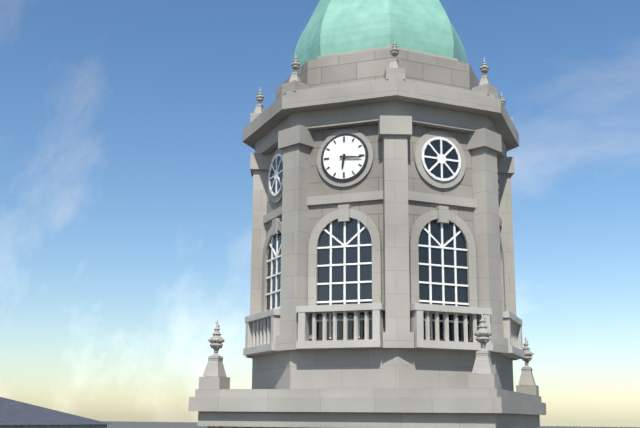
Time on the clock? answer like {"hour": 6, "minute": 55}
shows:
{"hour": 6, "minute": 16}
